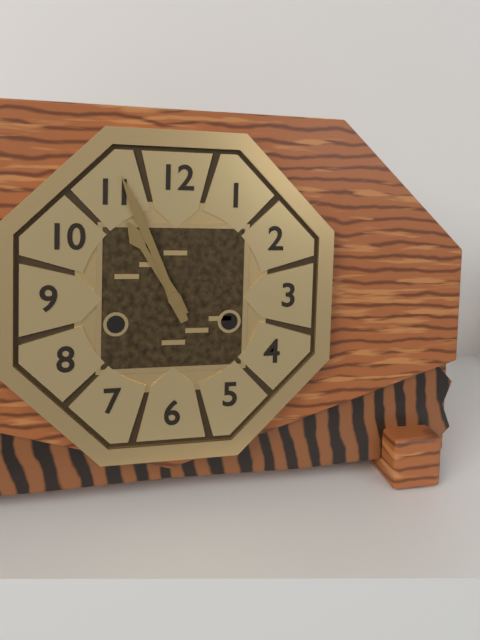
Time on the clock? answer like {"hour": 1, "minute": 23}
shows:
{"hour": 10, "minute": 56}
